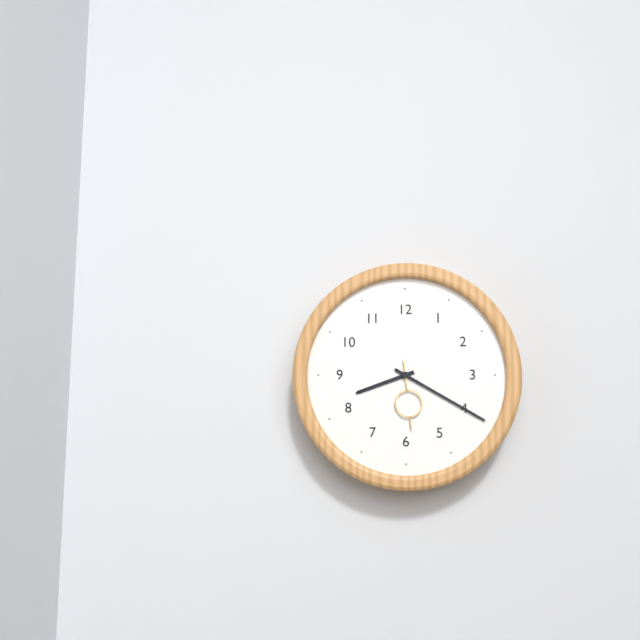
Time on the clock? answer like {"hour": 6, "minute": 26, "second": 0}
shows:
{"hour": 8, "minute": 20, "second": 29}
